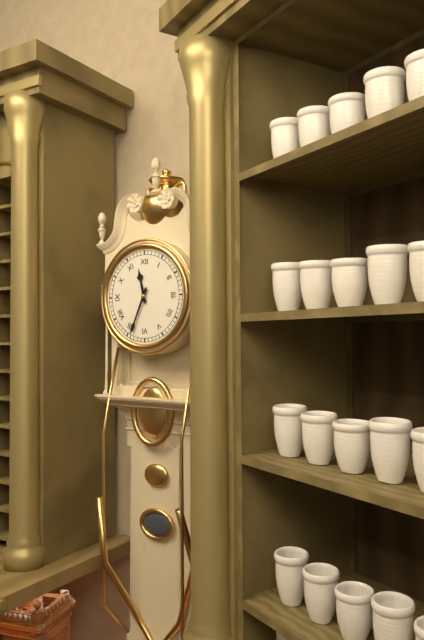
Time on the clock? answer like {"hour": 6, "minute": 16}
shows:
{"hour": 11, "minute": 34}
